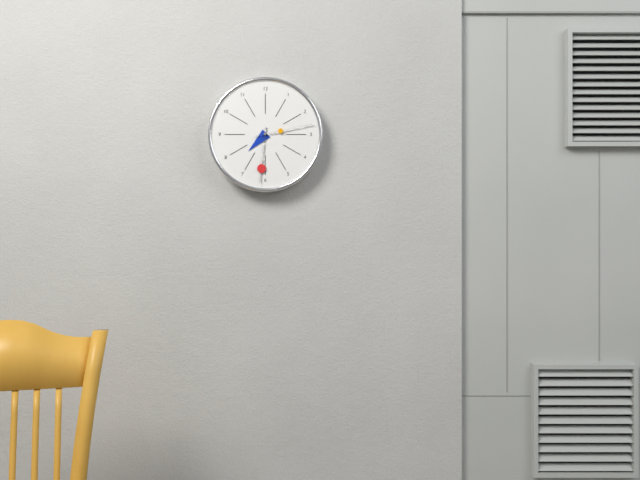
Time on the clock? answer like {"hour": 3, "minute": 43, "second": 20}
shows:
{"hour": 7, "minute": 31, "second": 13}
